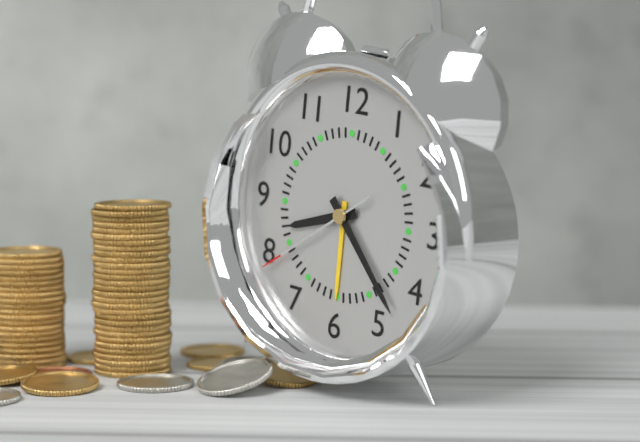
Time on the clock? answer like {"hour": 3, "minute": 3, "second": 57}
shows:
{"hour": 8, "minute": 23, "second": 39}
